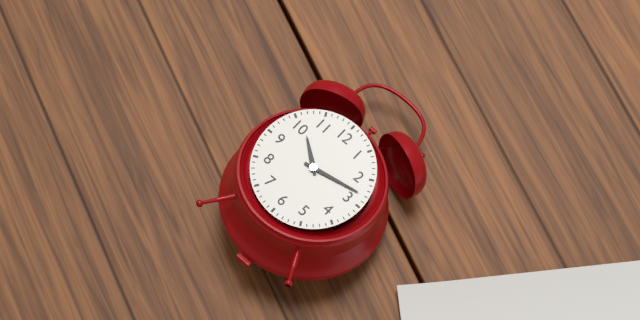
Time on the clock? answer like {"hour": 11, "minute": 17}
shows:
{"hour": 10, "minute": 13}
